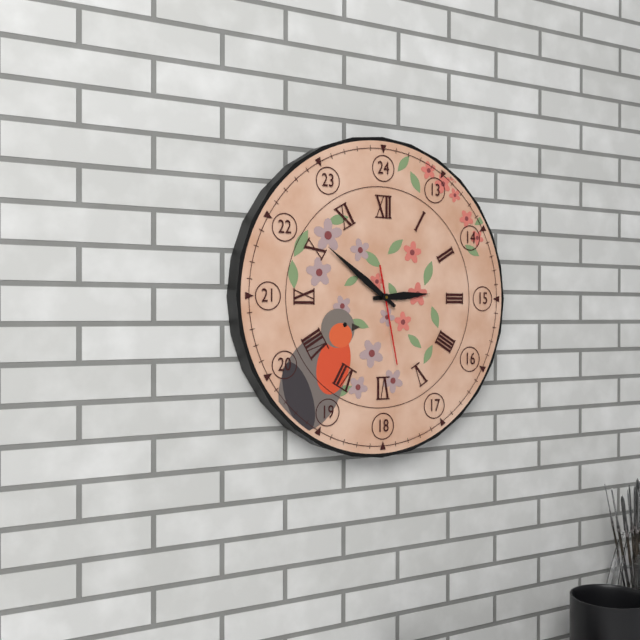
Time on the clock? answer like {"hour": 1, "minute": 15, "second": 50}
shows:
{"hour": 2, "minute": 51, "second": 28}
